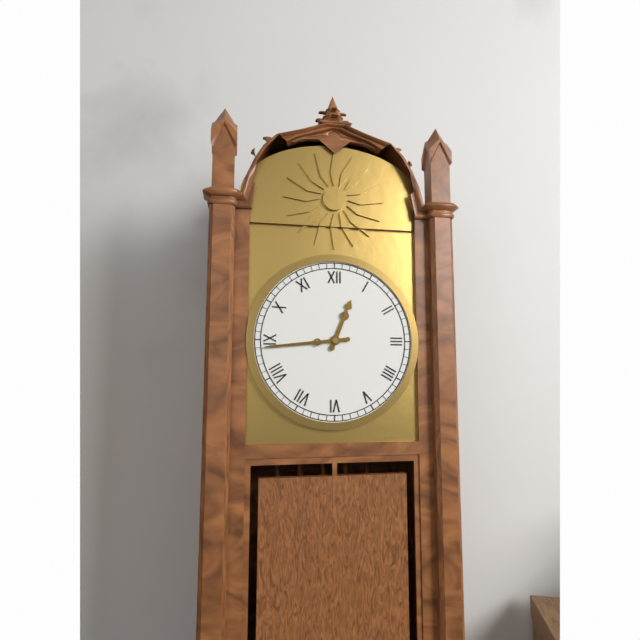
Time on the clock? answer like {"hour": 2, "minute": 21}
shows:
{"hour": 12, "minute": 44}
